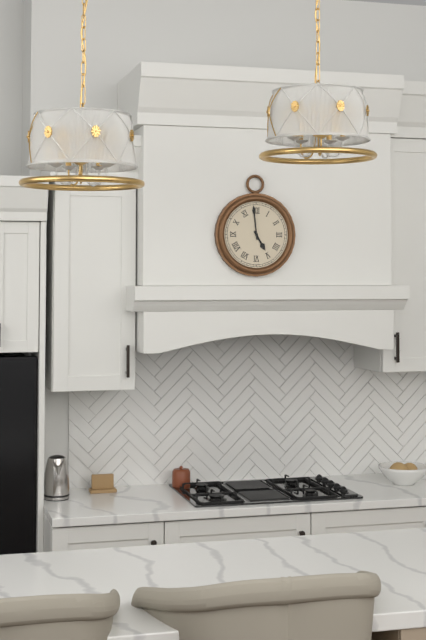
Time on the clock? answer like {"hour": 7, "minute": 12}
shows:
{"hour": 4, "minute": 59}
